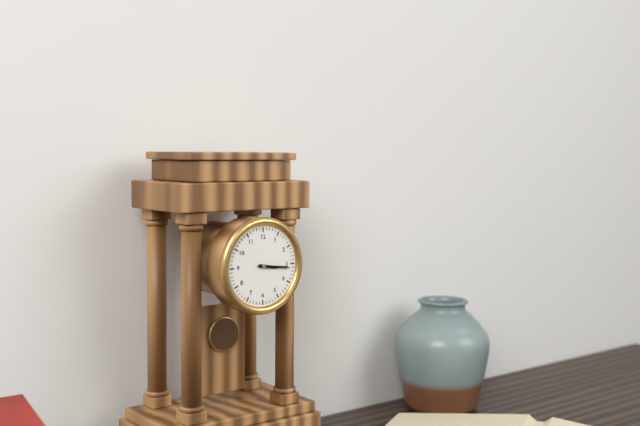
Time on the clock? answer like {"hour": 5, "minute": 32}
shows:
{"hour": 3, "minute": 16}
